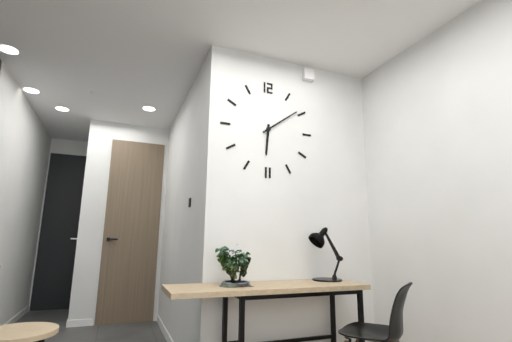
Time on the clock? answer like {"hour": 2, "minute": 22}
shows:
{"hour": 6, "minute": 9}
